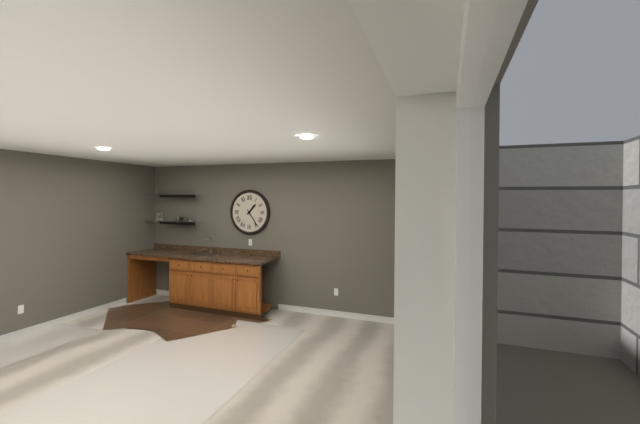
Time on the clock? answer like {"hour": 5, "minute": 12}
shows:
{"hour": 1, "minute": 24}
